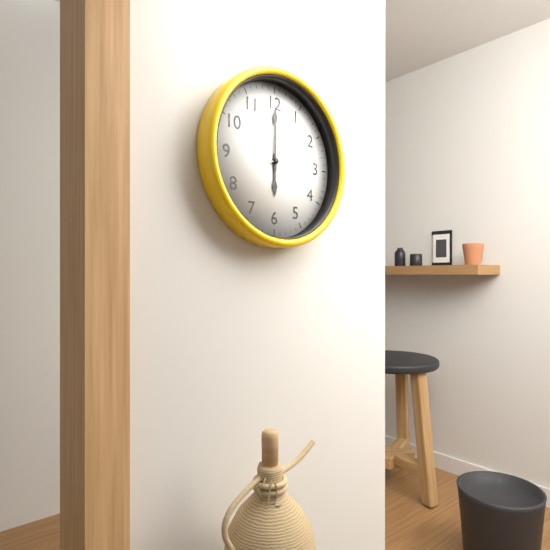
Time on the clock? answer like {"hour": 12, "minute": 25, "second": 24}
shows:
{"hour": 6, "minute": 0, "second": 13}
